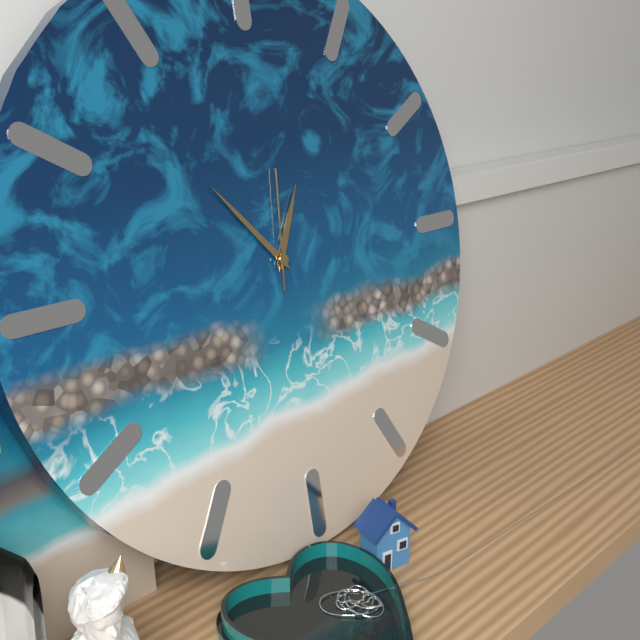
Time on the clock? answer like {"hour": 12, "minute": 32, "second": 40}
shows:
{"hour": 12, "minute": 53, "second": 1}
